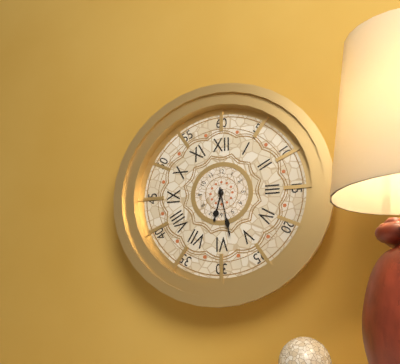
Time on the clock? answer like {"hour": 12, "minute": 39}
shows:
{"hour": 6, "minute": 28}
